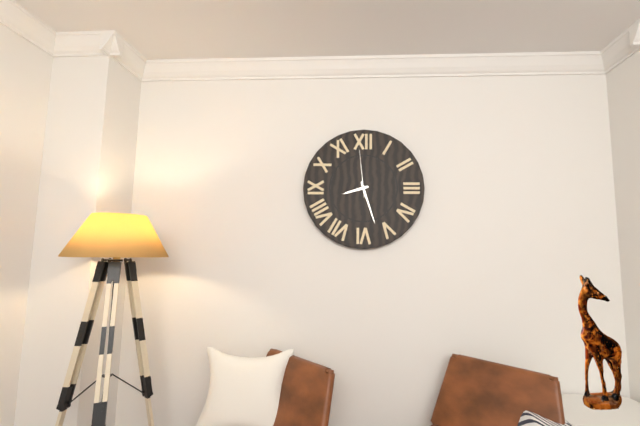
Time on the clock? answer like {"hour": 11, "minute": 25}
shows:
{"hour": 8, "minute": 27}
